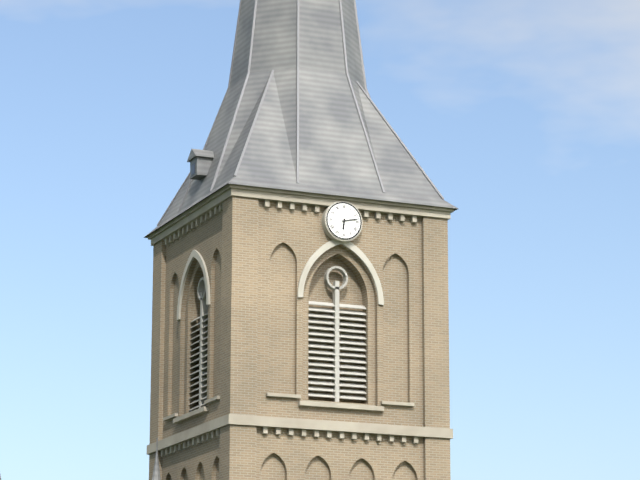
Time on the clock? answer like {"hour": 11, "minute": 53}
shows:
{"hour": 6, "minute": 13}
